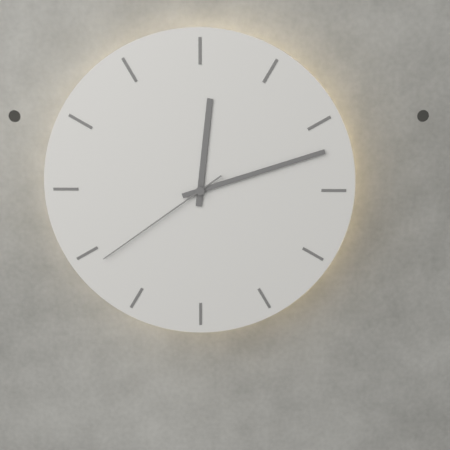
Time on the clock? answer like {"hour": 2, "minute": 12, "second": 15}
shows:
{"hour": 12, "minute": 12, "second": 39}
